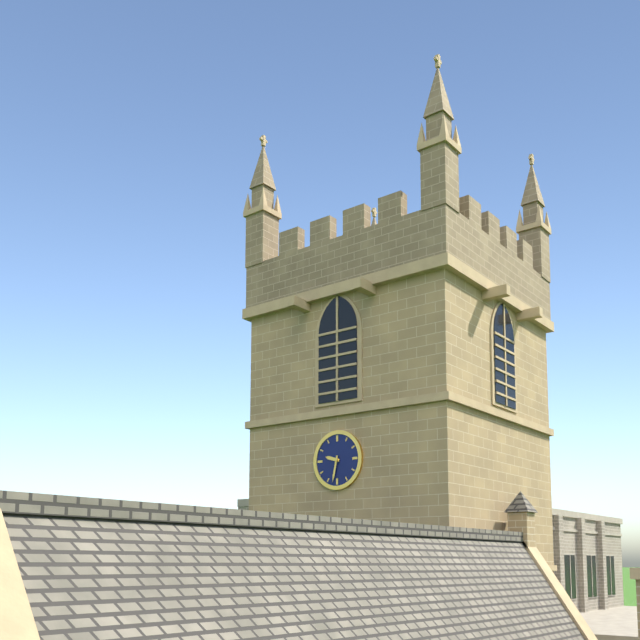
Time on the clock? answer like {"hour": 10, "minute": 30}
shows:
{"hour": 9, "minute": 32}
